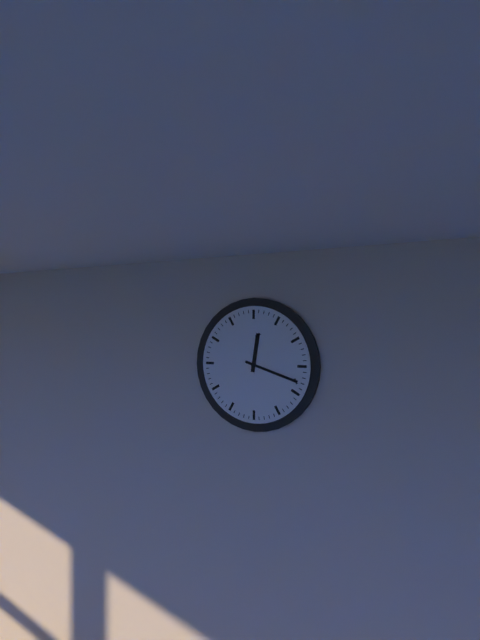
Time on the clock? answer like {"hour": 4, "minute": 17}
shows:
{"hour": 12, "minute": 18}
